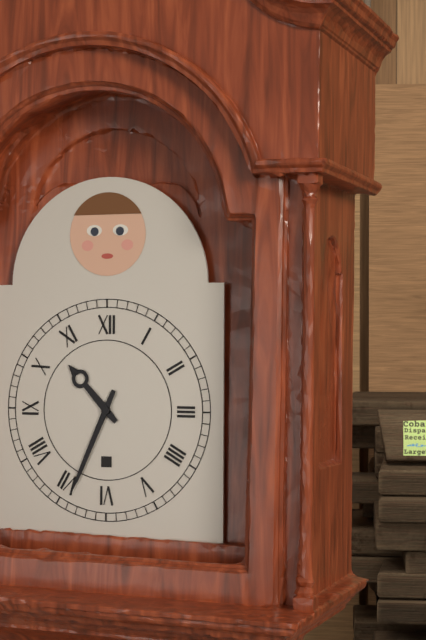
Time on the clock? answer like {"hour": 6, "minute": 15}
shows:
{"hour": 10, "minute": 34}
